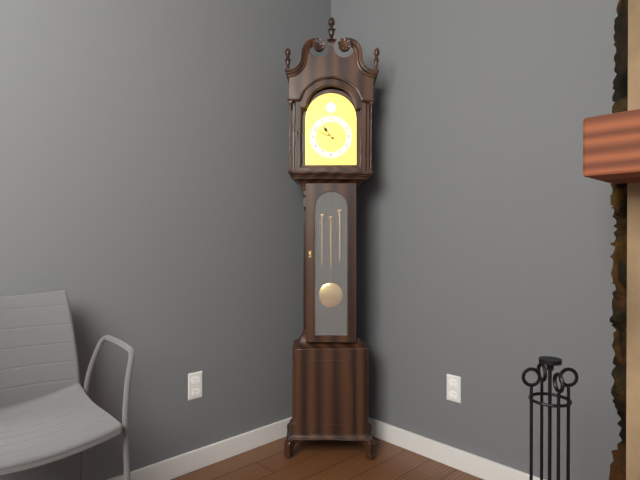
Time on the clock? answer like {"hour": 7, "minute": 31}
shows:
{"hour": 10, "minute": 49}
